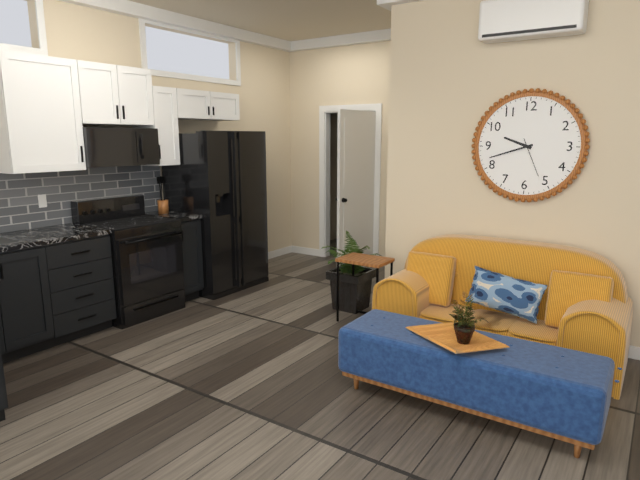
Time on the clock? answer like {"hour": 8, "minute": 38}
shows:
{"hour": 9, "minute": 42}
